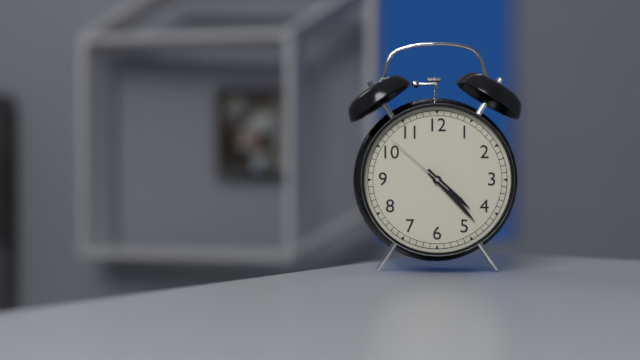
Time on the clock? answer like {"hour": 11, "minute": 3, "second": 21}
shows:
{"hour": 4, "minute": 23, "second": 52}
